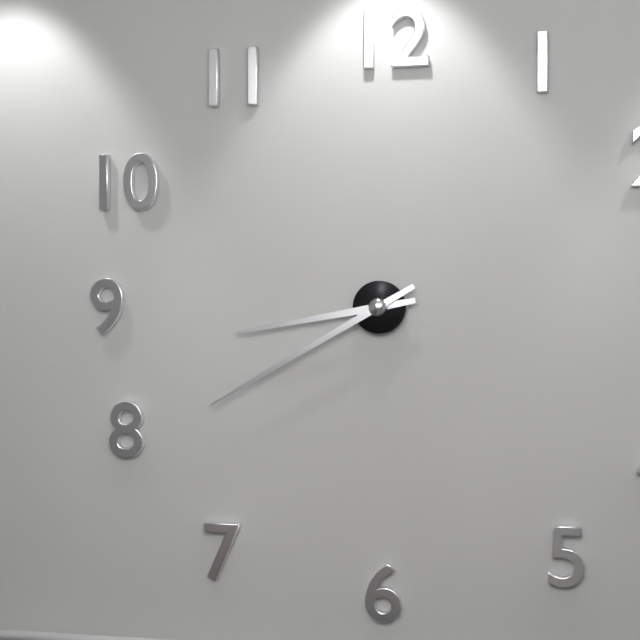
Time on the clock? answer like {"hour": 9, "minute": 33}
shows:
{"hour": 8, "minute": 40}
